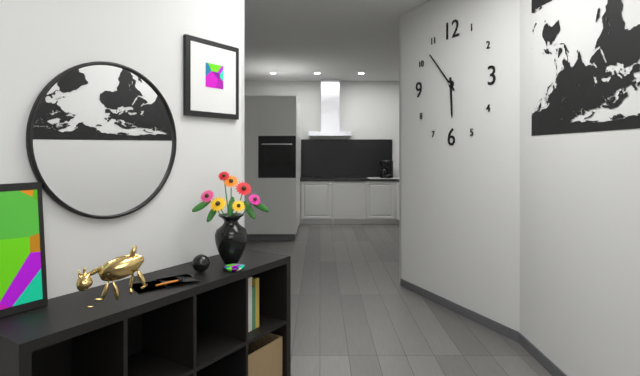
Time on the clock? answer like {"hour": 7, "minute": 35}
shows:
{"hour": 5, "minute": 53}
